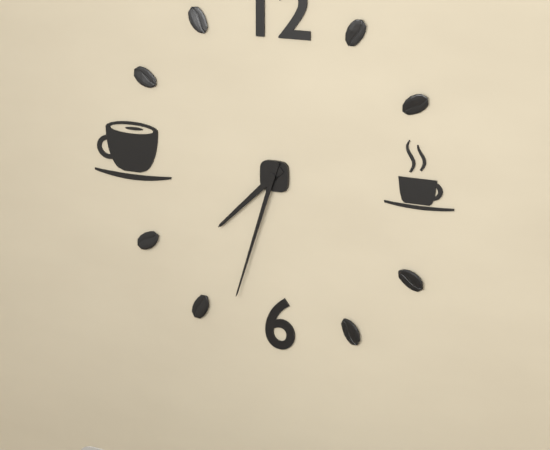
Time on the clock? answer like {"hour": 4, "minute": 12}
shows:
{"hour": 7, "minute": 33}
